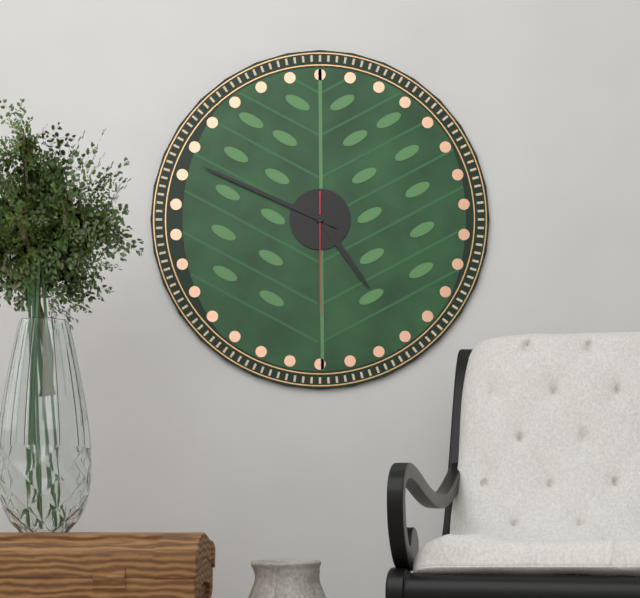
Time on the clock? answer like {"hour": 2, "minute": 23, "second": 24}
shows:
{"hour": 4, "minute": 49, "second": 30}
